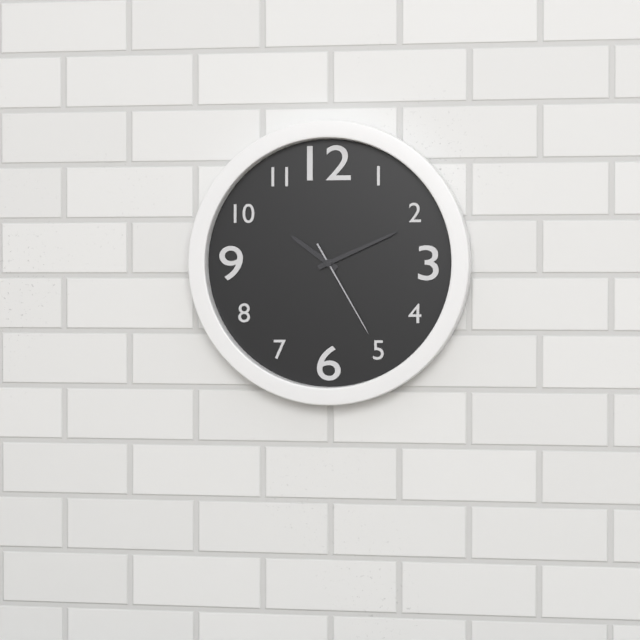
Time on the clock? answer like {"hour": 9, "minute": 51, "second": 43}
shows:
{"hour": 10, "minute": 11, "second": 25}
